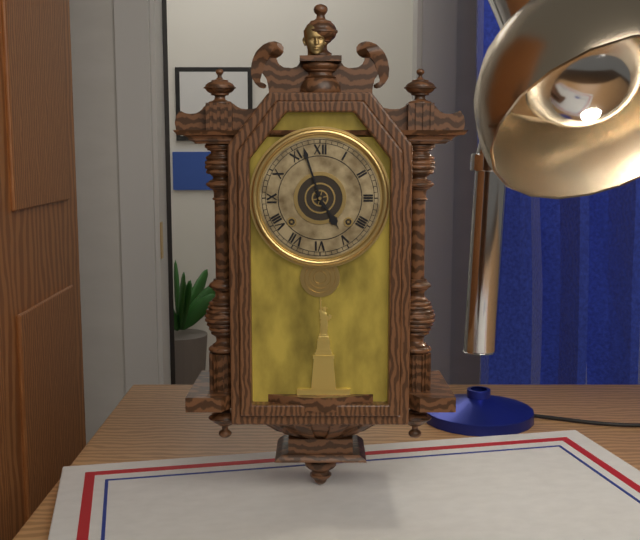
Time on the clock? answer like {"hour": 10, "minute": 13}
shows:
{"hour": 4, "minute": 57}
